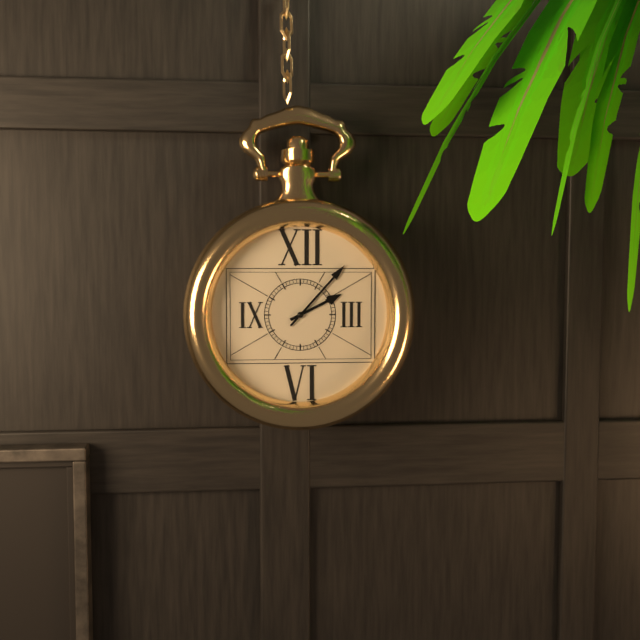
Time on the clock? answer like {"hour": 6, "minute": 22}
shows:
{"hour": 2, "minute": 7}
